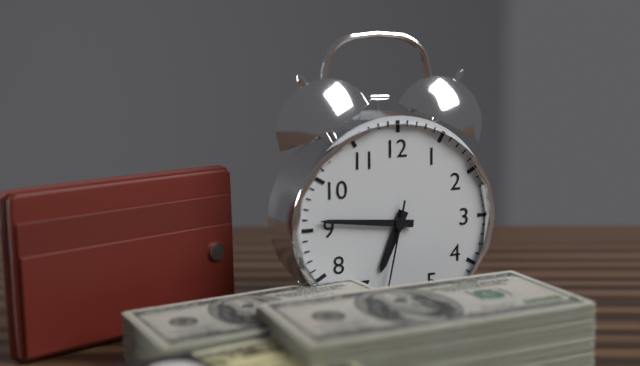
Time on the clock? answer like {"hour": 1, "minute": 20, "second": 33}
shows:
{"hour": 6, "minute": 46, "second": 32}
